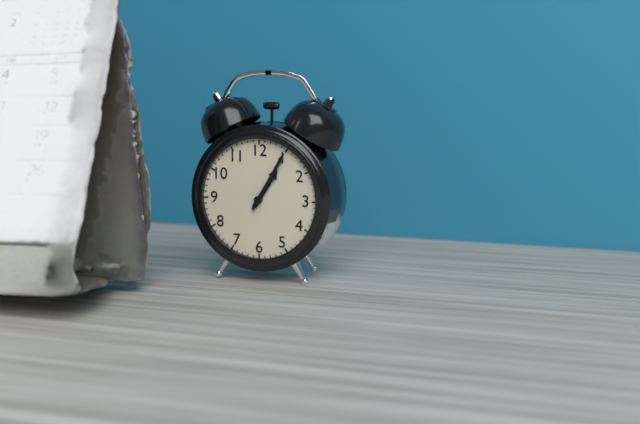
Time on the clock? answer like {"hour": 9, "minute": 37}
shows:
{"hour": 1, "minute": 5}
